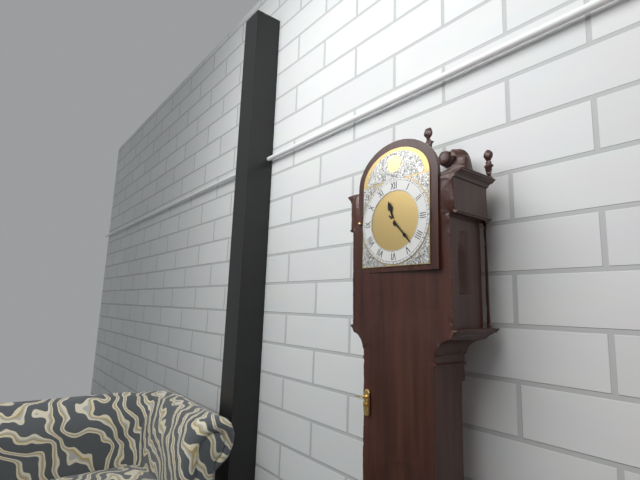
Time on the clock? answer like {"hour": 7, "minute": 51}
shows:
{"hour": 11, "minute": 23}
